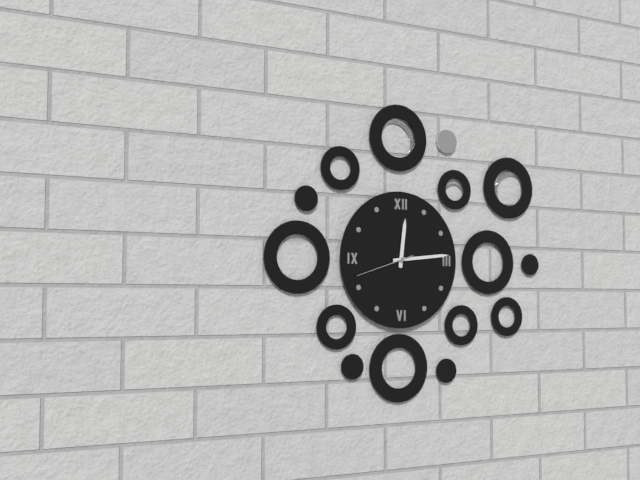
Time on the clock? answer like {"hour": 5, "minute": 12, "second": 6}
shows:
{"hour": 12, "minute": 14, "second": 42}
